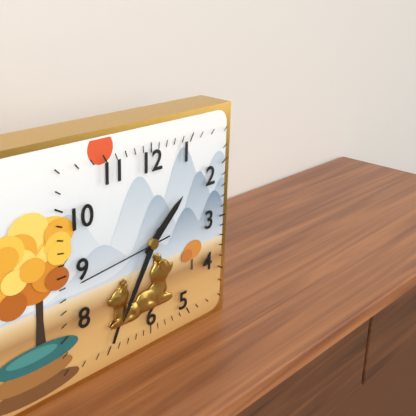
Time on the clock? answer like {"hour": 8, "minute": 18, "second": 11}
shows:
{"hour": 1, "minute": 35, "second": 44}
